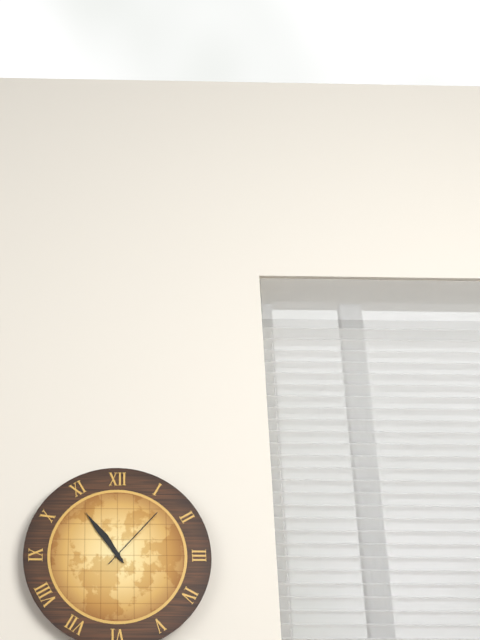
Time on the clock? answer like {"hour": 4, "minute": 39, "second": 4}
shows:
{"hour": 10, "minute": 54, "second": 7}
